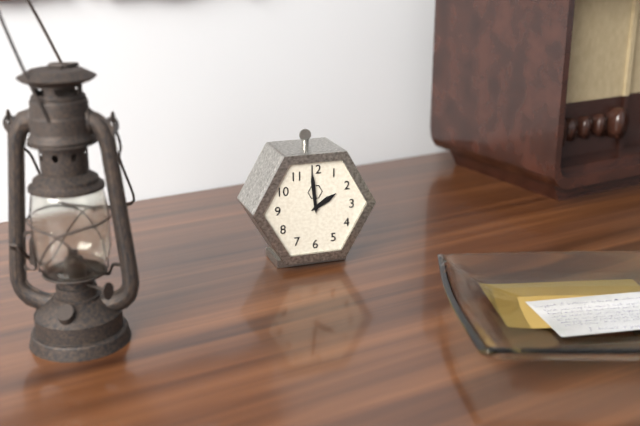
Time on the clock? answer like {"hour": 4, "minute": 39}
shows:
{"hour": 1, "minute": 59}
